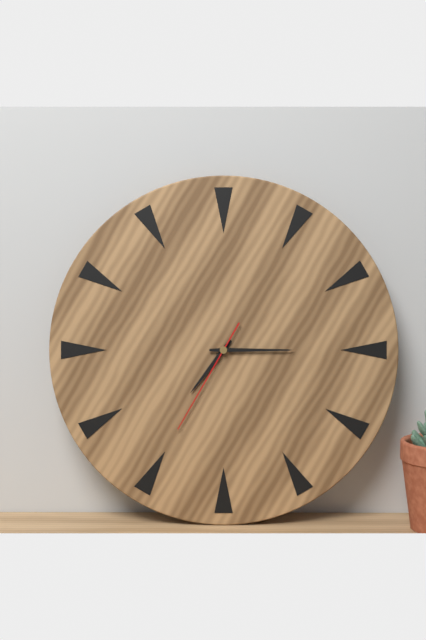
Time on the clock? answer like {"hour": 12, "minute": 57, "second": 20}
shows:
{"hour": 7, "minute": 15, "second": 35}
